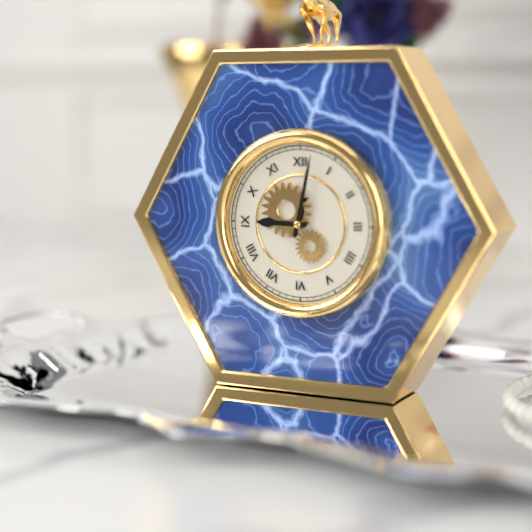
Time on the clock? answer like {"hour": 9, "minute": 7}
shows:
{"hour": 9, "minute": 2}
